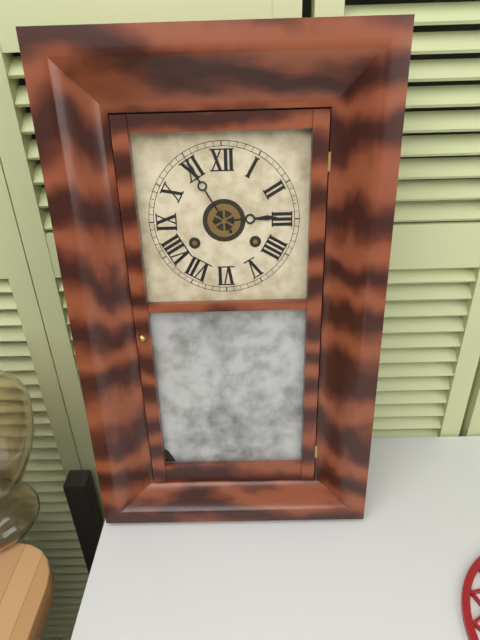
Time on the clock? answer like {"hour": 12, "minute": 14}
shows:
{"hour": 2, "minute": 55}
